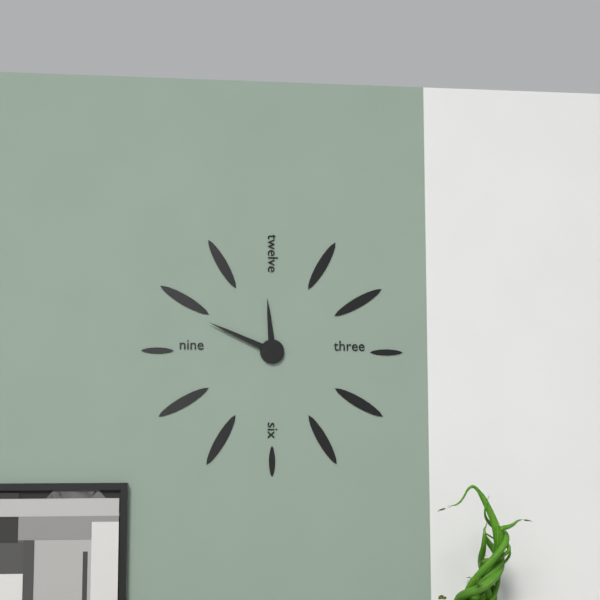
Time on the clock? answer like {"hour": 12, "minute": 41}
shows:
{"hour": 11, "minute": 49}
